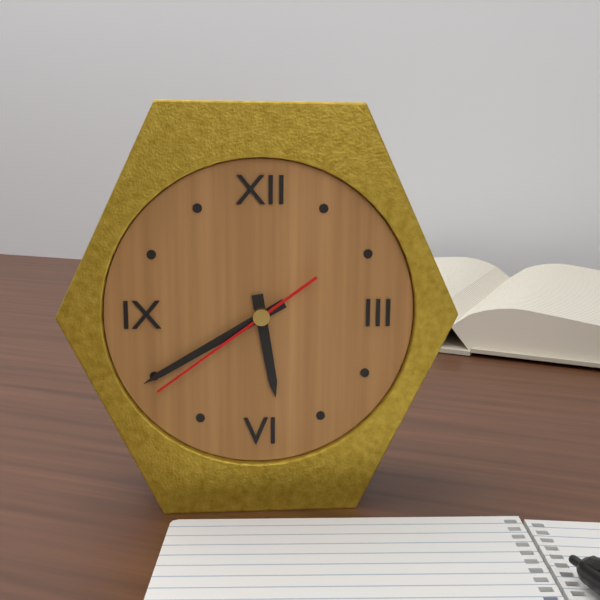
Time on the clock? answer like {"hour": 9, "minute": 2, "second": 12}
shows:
{"hour": 5, "minute": 40, "second": 39}
